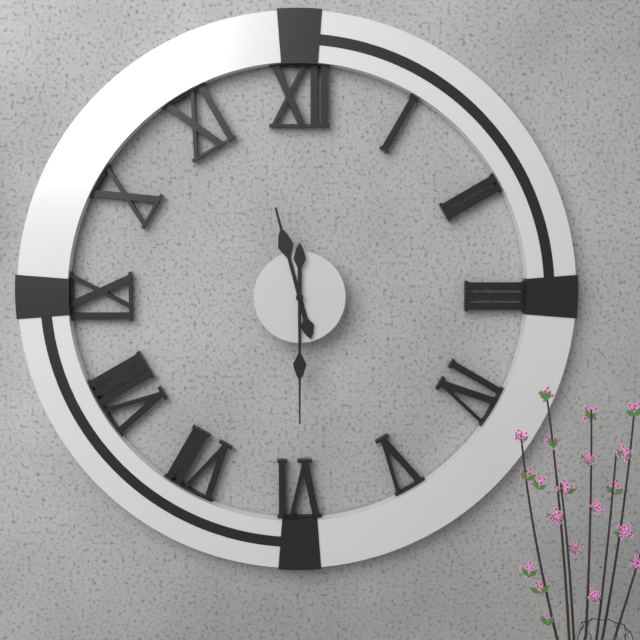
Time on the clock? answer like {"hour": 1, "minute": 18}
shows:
{"hour": 11, "minute": 30}
